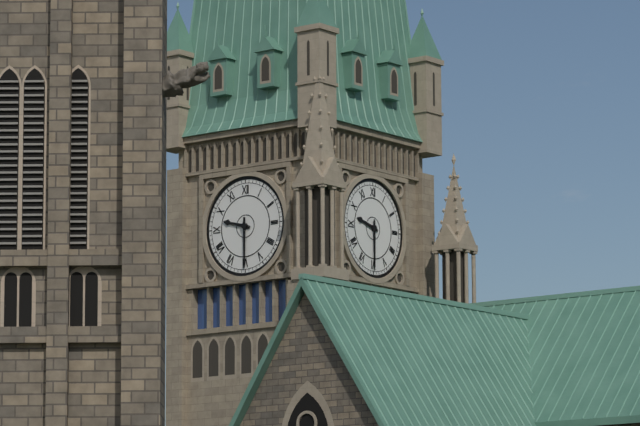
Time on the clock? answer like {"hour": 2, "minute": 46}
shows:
{"hour": 9, "minute": 30}
